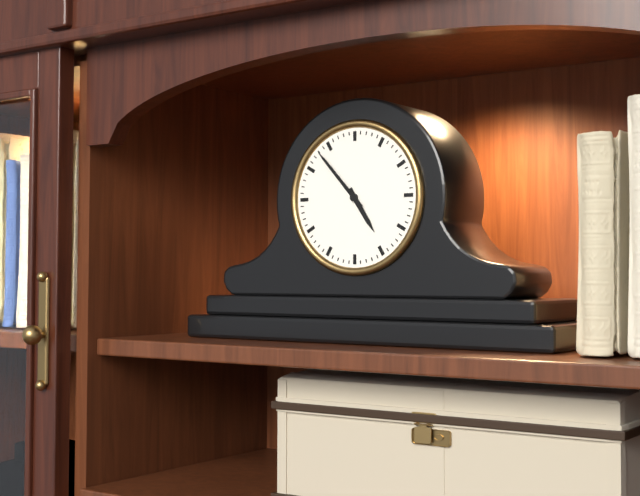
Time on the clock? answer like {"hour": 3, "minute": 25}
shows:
{"hour": 4, "minute": 53}
